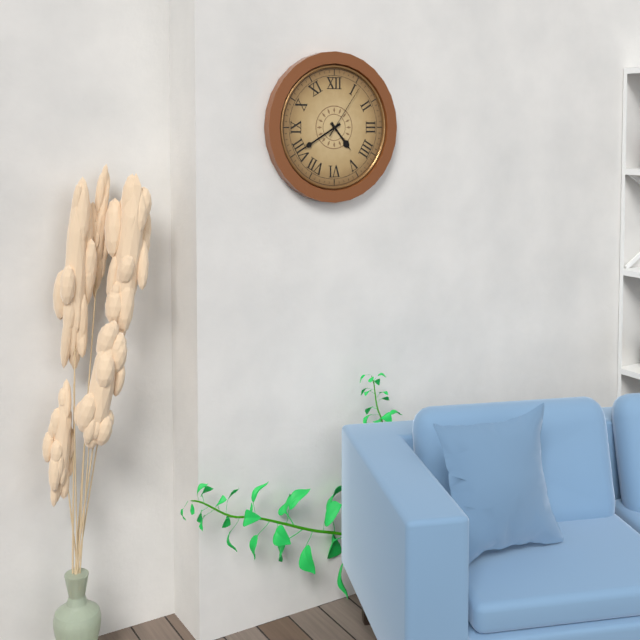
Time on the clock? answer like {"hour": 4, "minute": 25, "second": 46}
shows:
{"hour": 4, "minute": 40, "second": 6}
